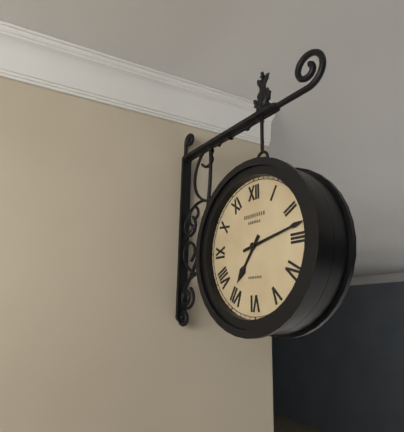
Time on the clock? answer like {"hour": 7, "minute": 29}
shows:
{"hour": 7, "minute": 13}
